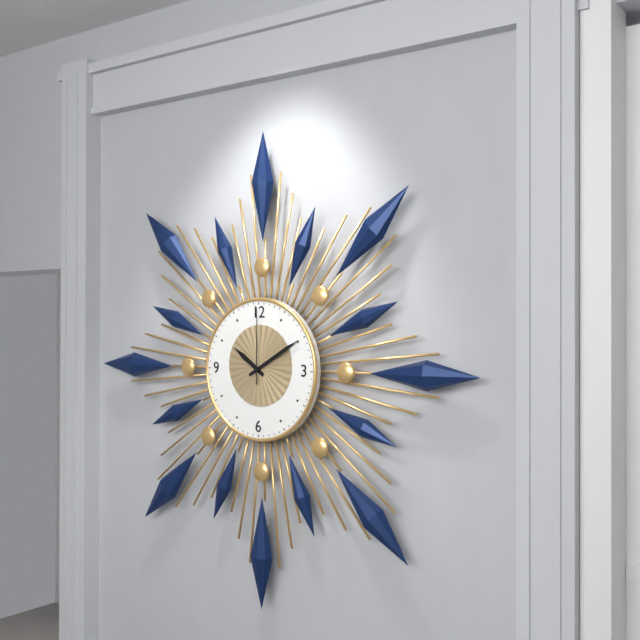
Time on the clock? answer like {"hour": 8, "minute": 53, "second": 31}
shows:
{"hour": 10, "minute": 10, "second": 0}
